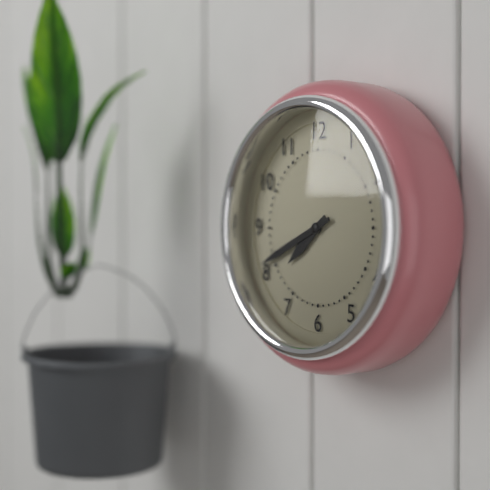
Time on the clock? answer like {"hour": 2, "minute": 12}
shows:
{"hour": 7, "minute": 41}
